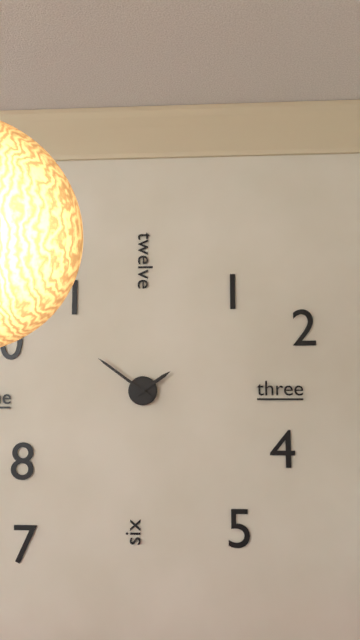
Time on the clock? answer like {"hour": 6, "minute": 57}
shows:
{"hour": 1, "minute": 51}
